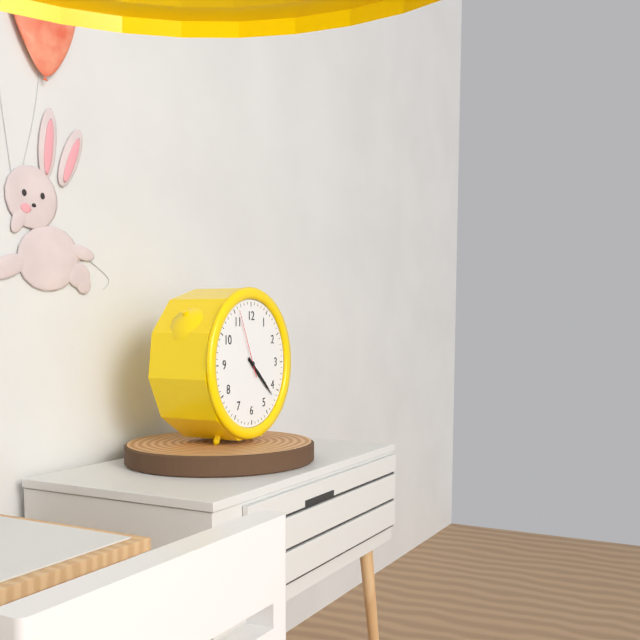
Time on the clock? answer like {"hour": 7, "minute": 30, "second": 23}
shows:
{"hour": 4, "minute": 22, "second": 56}
